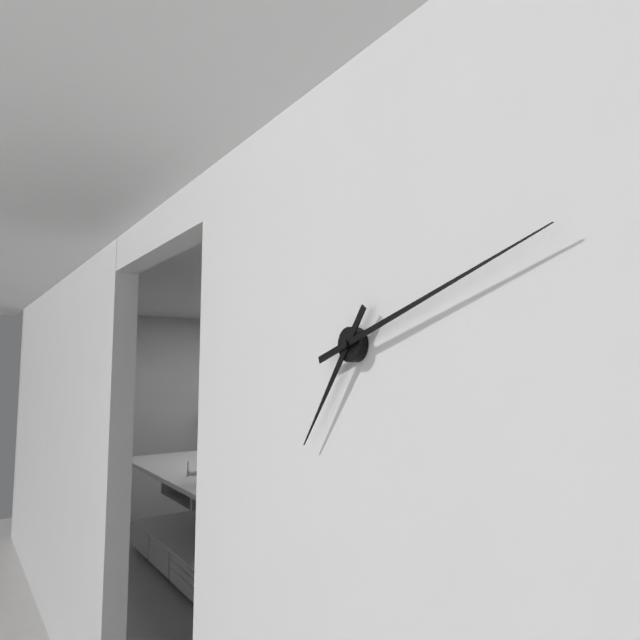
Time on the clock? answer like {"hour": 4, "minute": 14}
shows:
{"hour": 7, "minute": 12}
